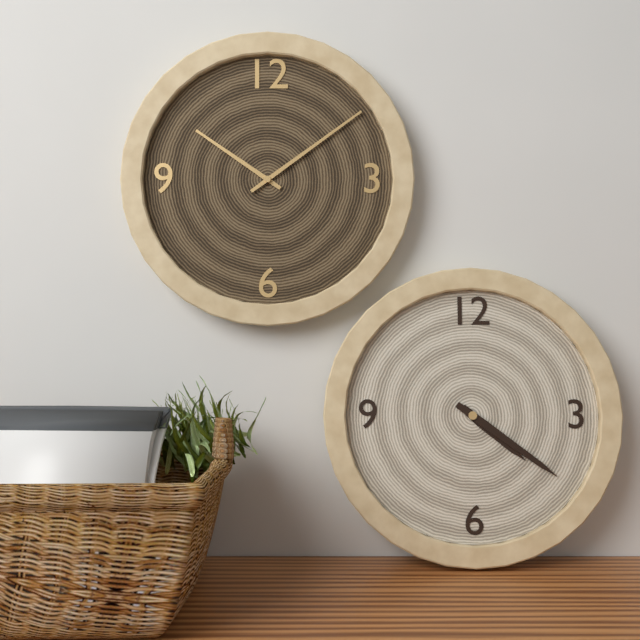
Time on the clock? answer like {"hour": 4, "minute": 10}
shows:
{"hour": 4, "minute": 21}
